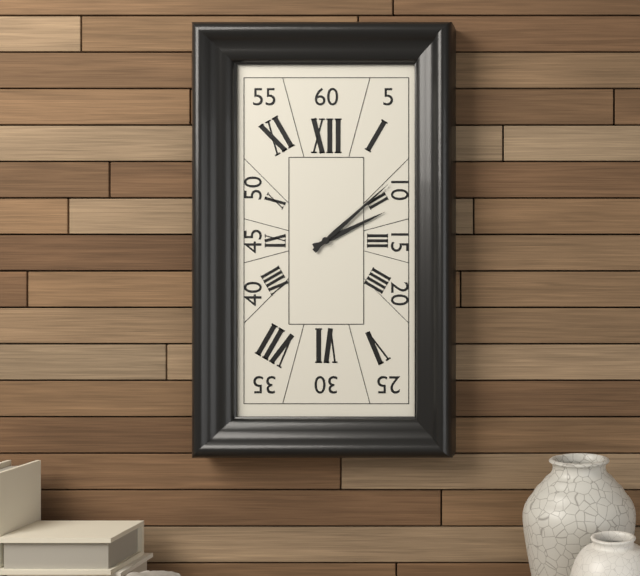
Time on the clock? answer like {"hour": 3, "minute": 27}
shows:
{"hour": 2, "minute": 8}
